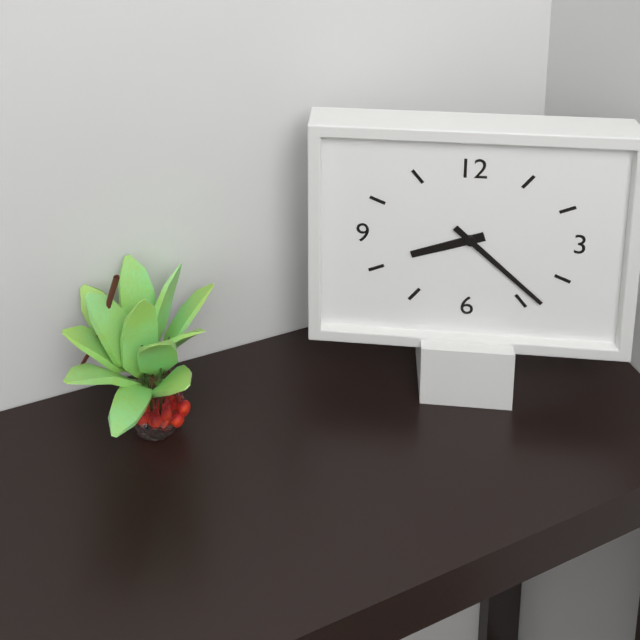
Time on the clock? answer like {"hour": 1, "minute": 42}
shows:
{"hour": 8, "minute": 22}
